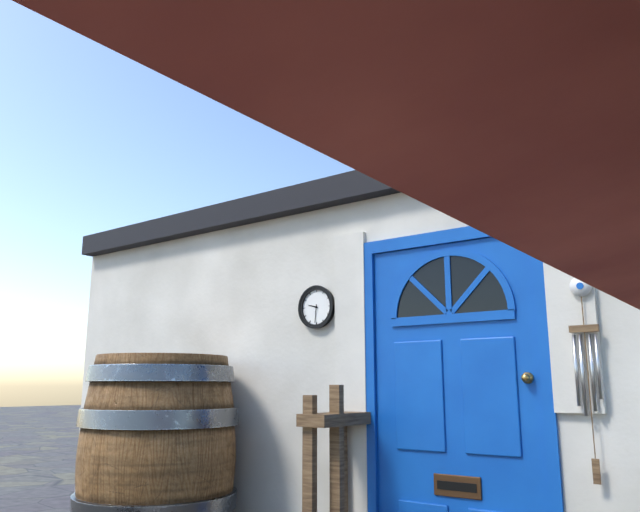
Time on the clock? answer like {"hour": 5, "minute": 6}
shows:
{"hour": 9, "minute": 31}
